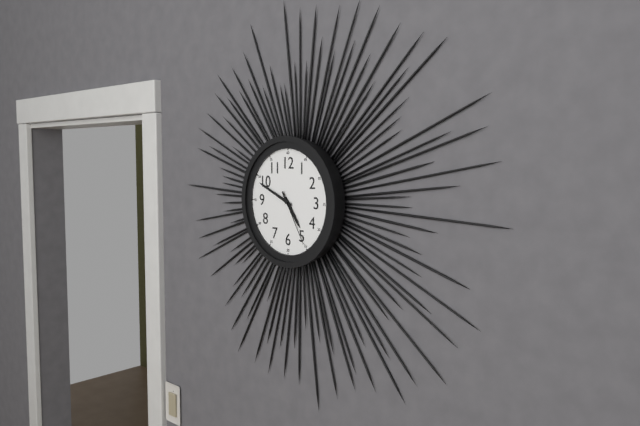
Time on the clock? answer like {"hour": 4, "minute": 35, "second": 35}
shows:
{"hour": 4, "minute": 49, "second": 25}
